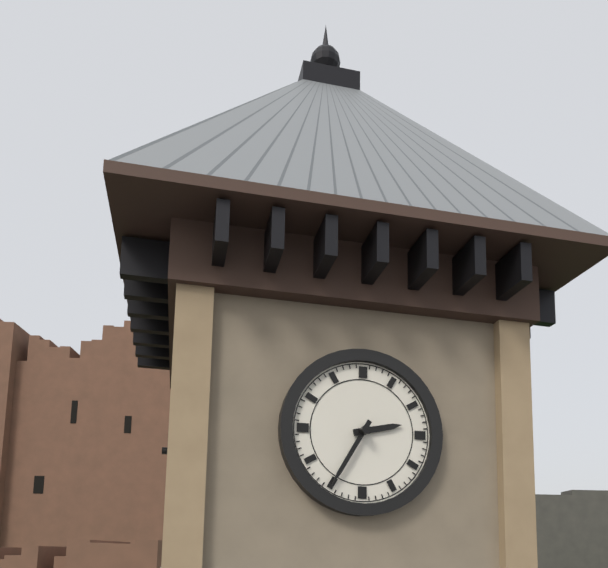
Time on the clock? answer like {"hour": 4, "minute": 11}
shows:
{"hour": 2, "minute": 35}
